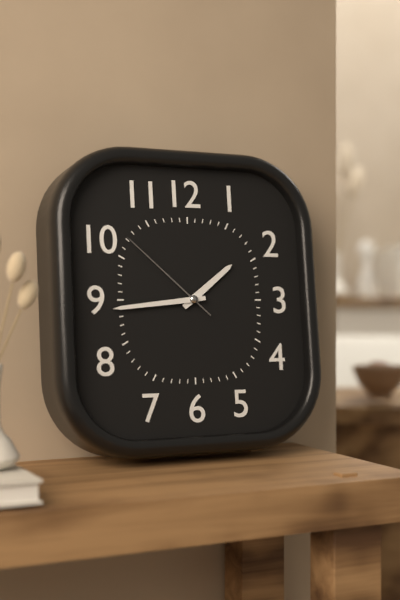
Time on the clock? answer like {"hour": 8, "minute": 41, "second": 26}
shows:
{"hour": 1, "minute": 44, "second": 52}
